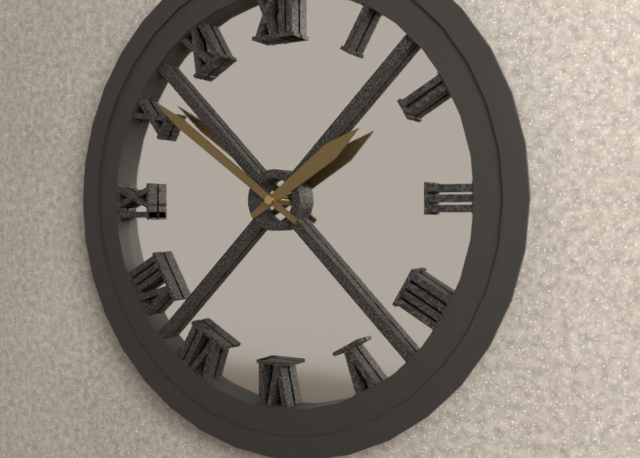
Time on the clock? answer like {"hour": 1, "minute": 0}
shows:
{"hour": 1, "minute": 51}
